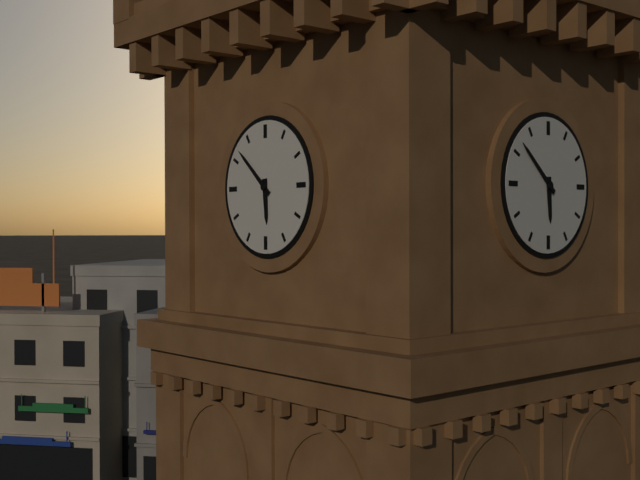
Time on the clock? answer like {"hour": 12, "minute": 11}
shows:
{"hour": 5, "minute": 52}
